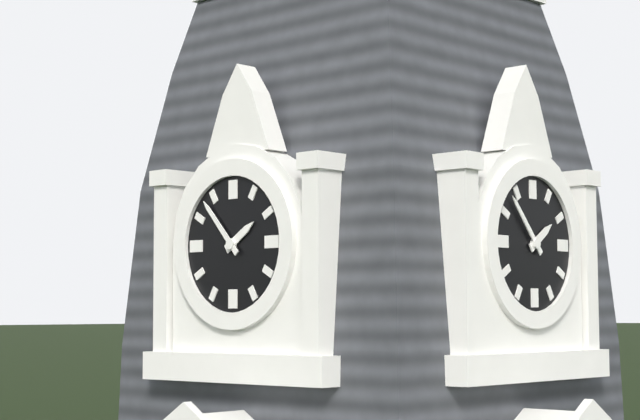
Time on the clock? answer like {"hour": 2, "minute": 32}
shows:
{"hour": 1, "minute": 53}
